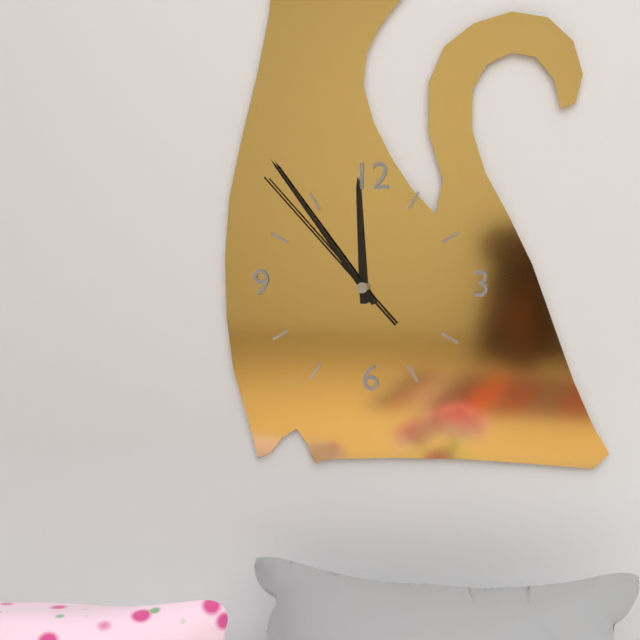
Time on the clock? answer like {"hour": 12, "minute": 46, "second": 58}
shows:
{"hour": 11, "minute": 54, "second": 53}
